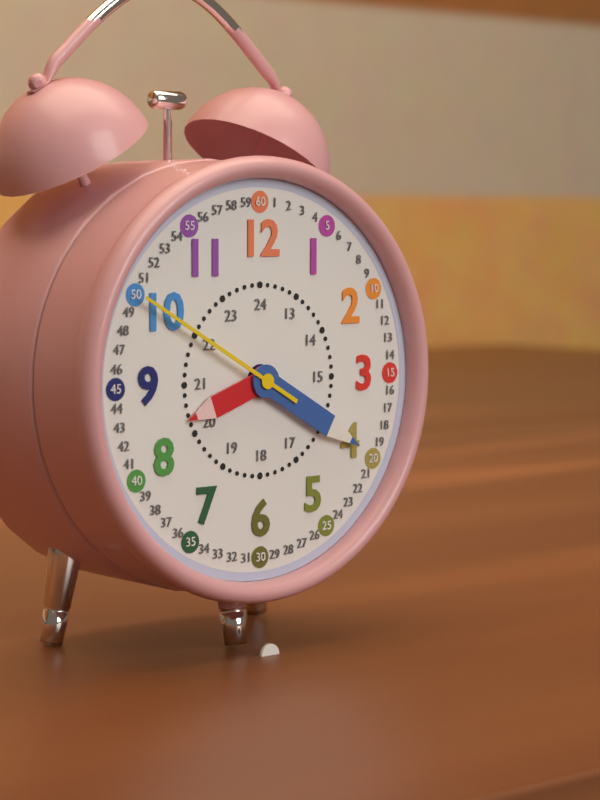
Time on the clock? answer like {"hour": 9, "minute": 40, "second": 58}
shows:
{"hour": 8, "minute": 20, "second": 50}
